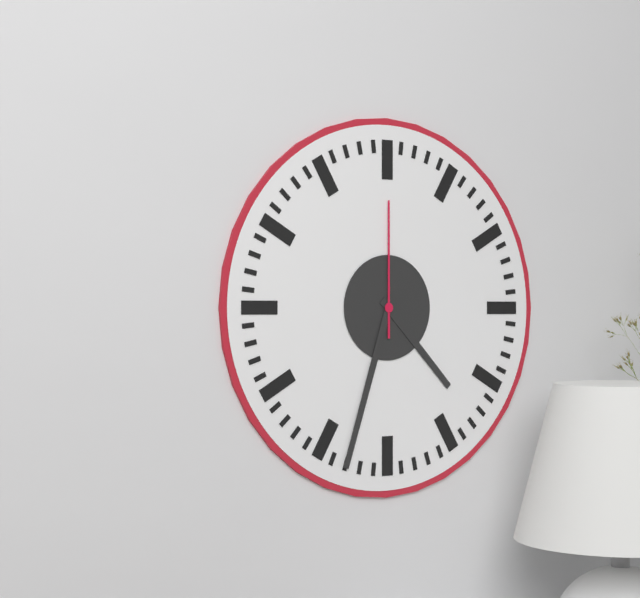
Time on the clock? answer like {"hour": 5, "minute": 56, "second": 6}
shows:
{"hour": 4, "minute": 33, "second": 0}
